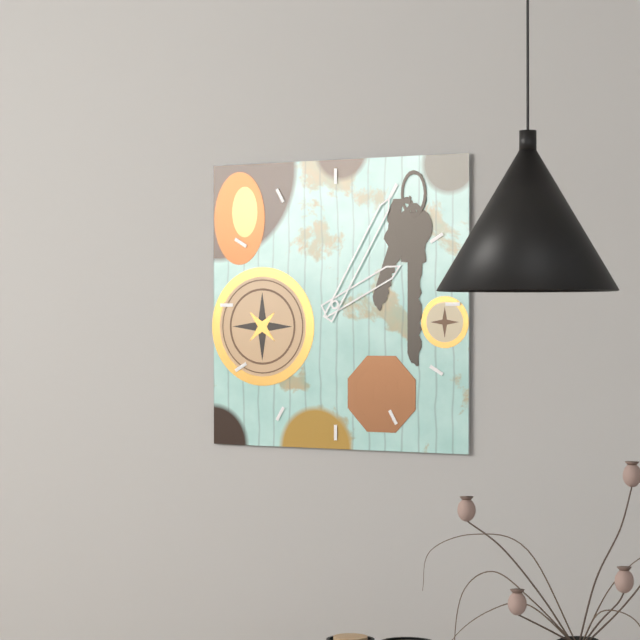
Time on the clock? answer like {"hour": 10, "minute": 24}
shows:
{"hour": 2, "minute": 5}
